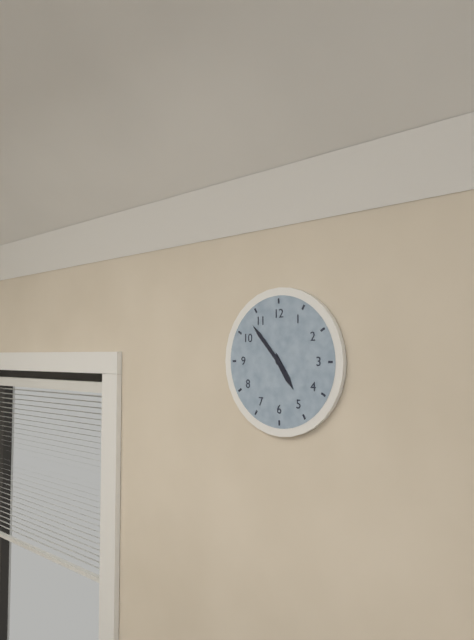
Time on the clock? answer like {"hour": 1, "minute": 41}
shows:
{"hour": 4, "minute": 53}
